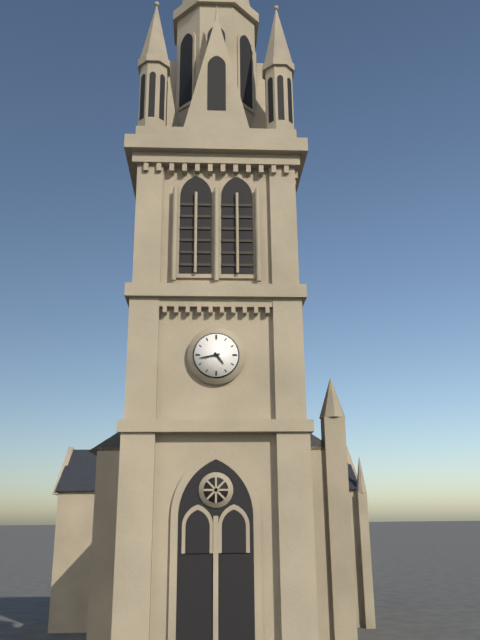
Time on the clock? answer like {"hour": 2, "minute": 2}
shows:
{"hour": 4, "minute": 43}
